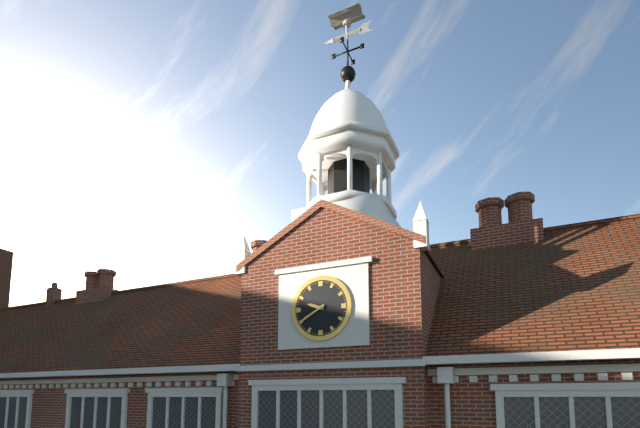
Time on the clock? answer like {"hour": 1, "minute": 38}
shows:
{"hour": 9, "minute": 40}
